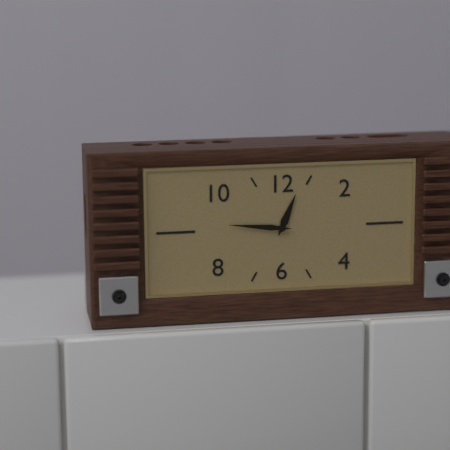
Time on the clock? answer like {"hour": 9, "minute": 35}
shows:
{"hour": 12, "minute": 46}
